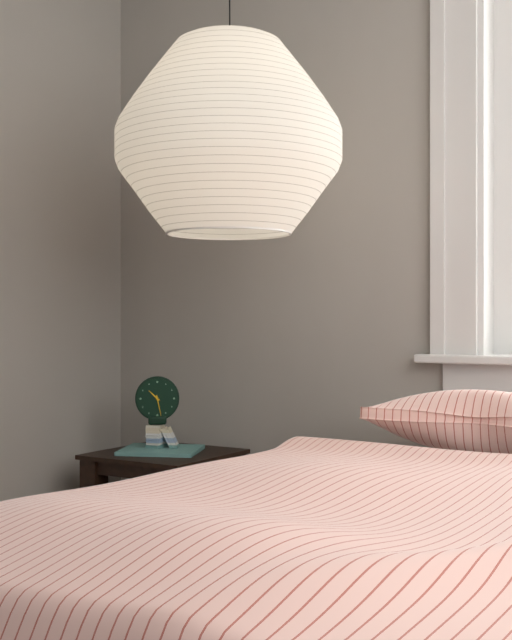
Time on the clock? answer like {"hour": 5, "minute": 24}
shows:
{"hour": 10, "minute": 28}
